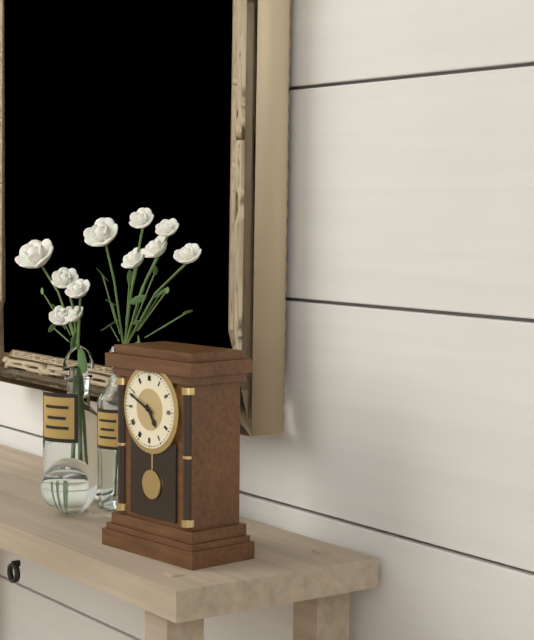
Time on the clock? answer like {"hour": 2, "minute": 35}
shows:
{"hour": 4, "minute": 49}
